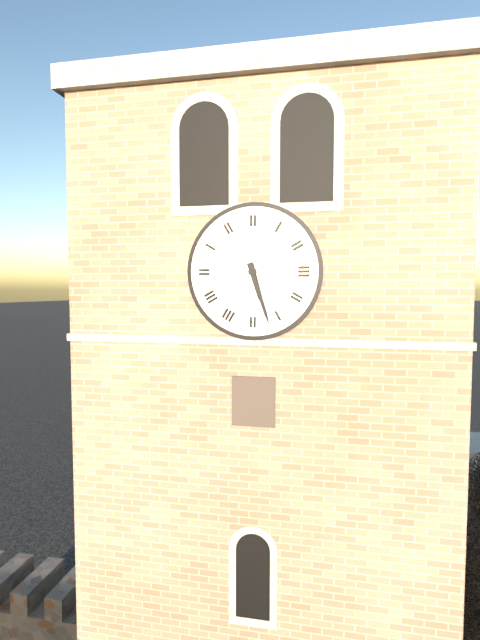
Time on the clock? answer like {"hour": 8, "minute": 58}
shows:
{"hour": 5, "minute": 27}
